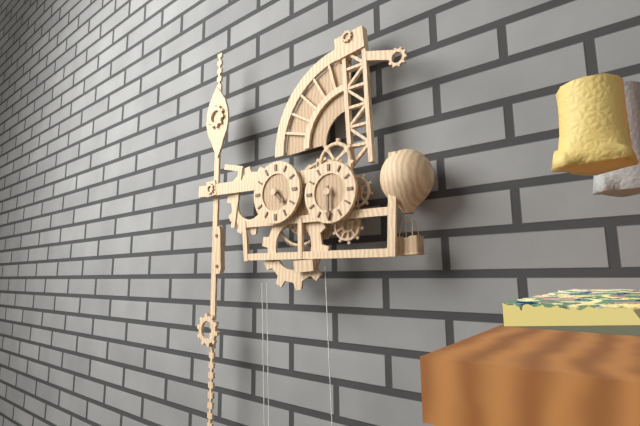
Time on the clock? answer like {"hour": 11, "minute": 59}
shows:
{"hour": 4, "minute": 30}
